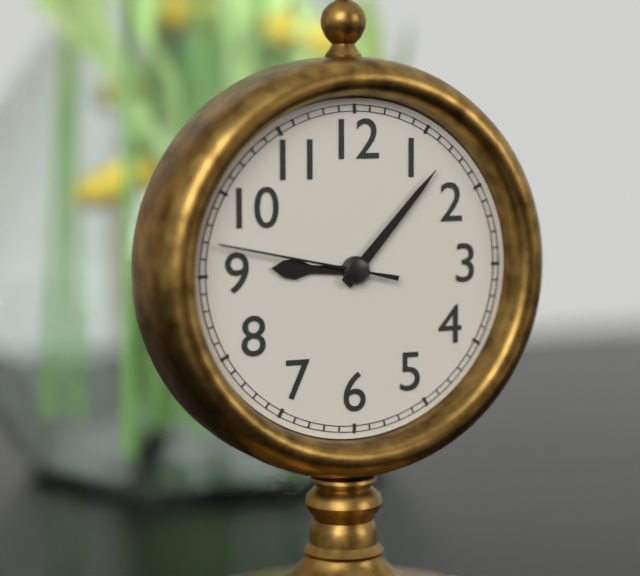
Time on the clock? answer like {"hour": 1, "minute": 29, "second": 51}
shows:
{"hour": 9, "minute": 7, "second": 47}
